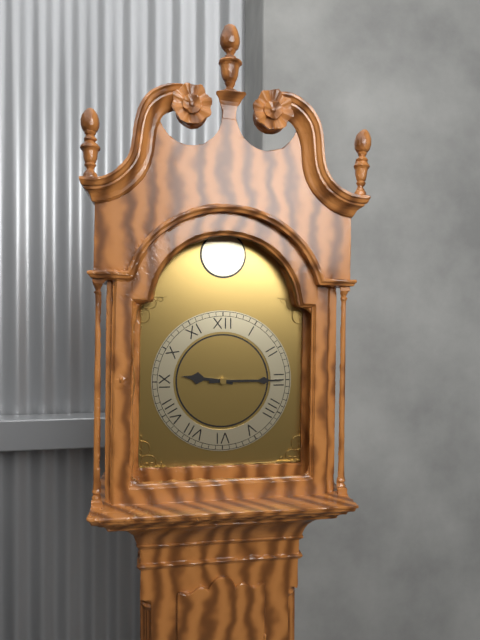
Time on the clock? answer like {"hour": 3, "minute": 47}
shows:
{"hour": 9, "minute": 15}
